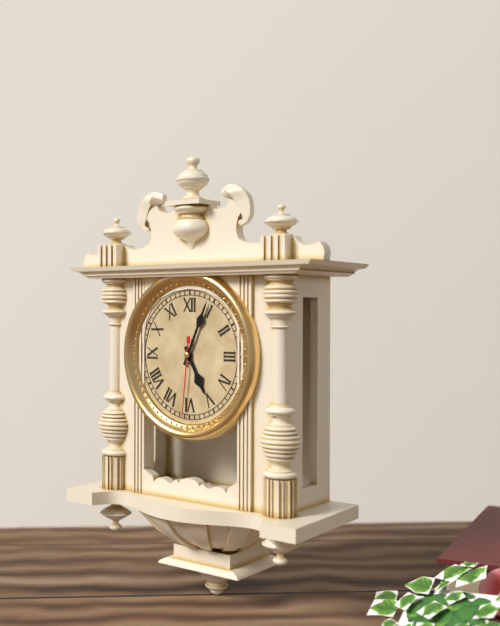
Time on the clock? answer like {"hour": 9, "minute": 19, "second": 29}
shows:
{"hour": 5, "minute": 4, "second": 31}
